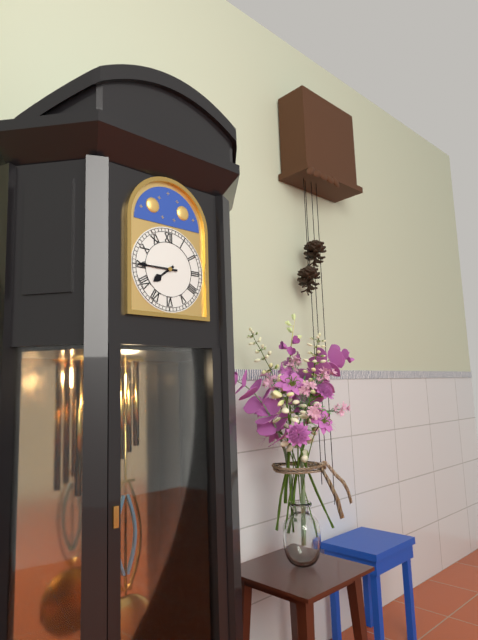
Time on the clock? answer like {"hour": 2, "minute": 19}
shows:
{"hour": 7, "minute": 45}
